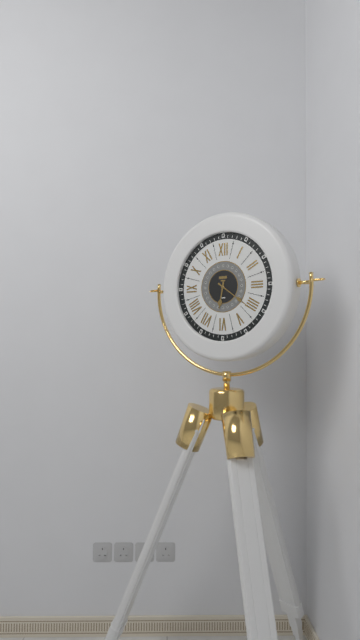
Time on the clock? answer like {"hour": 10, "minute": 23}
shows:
{"hour": 6, "minute": 21}
